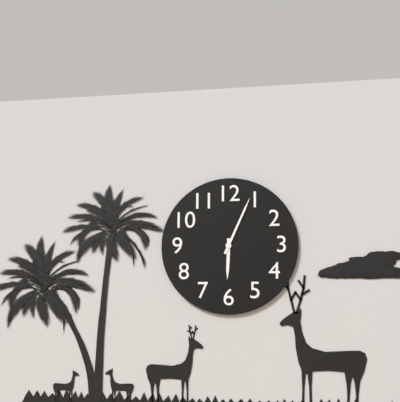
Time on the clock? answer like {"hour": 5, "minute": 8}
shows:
{"hour": 6, "minute": 4}
